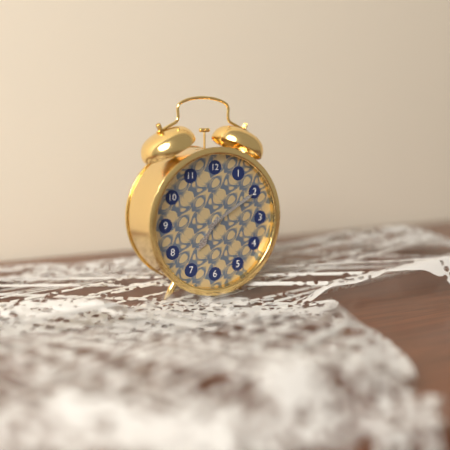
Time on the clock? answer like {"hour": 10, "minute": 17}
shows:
{"hour": 7, "minute": 10}
